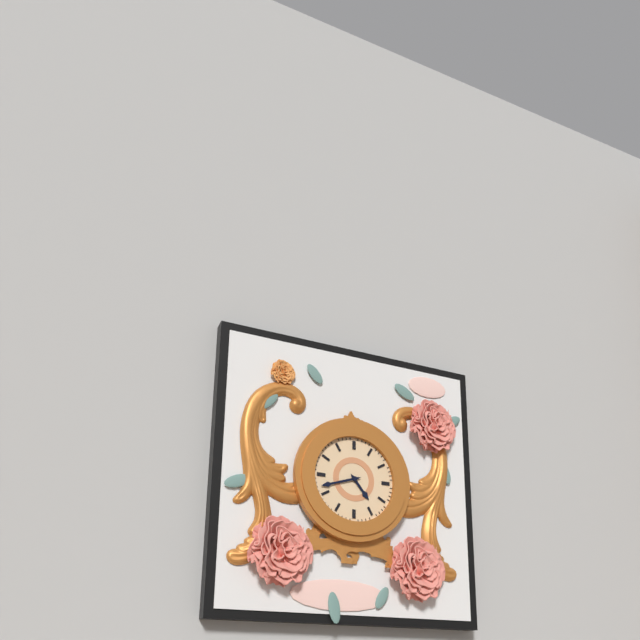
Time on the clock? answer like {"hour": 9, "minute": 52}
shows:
{"hour": 4, "minute": 42}
